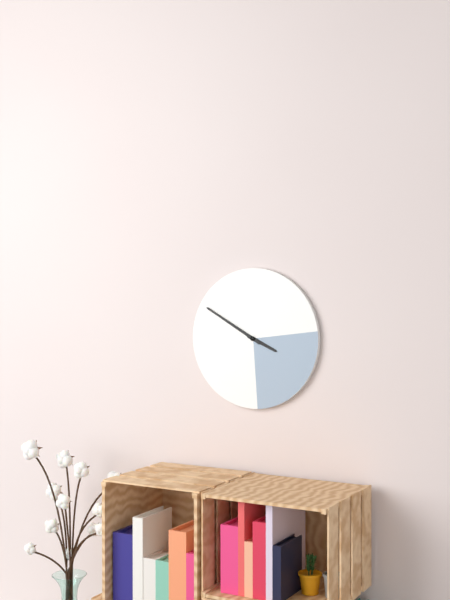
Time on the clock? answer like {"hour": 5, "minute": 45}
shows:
{"hour": 3, "minute": 50}
